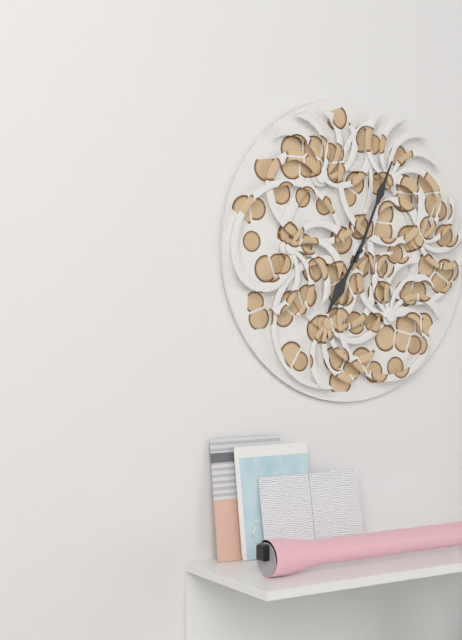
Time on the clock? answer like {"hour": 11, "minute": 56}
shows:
{"hour": 7, "minute": 4}
